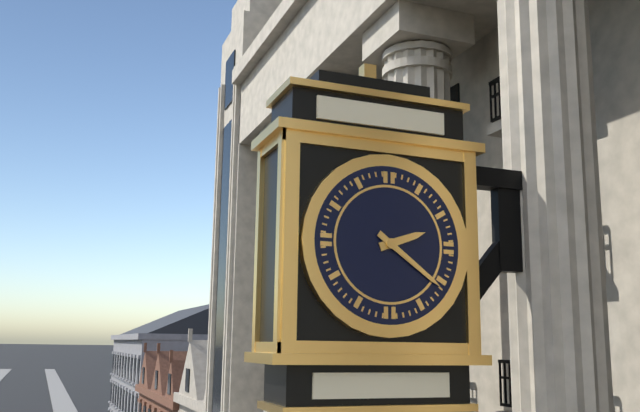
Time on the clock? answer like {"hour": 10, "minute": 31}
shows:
{"hour": 2, "minute": 21}
